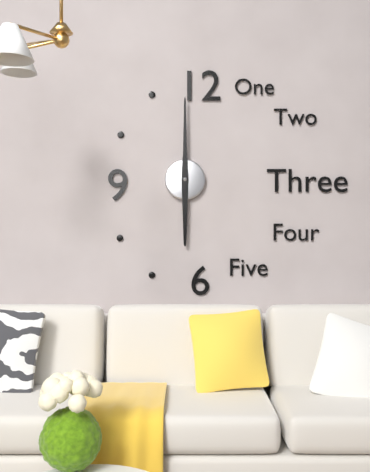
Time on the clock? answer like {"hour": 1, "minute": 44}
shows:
{"hour": 6, "minute": 0}
